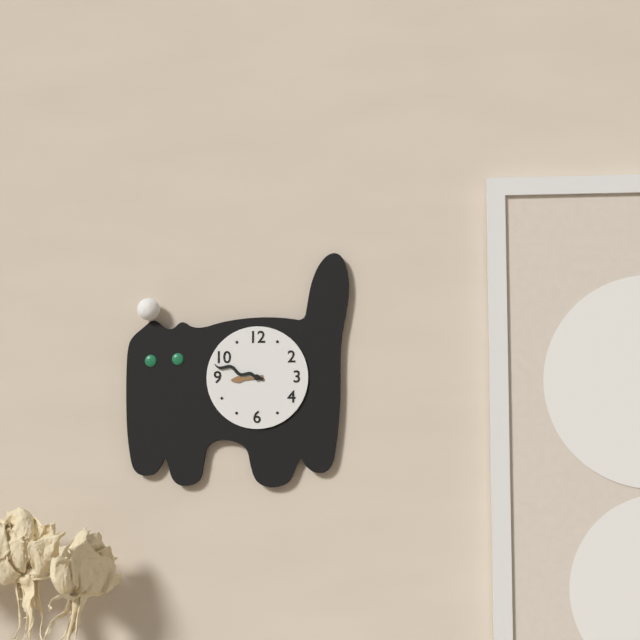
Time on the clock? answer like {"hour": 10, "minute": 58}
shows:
{"hour": 8, "minute": 48}
